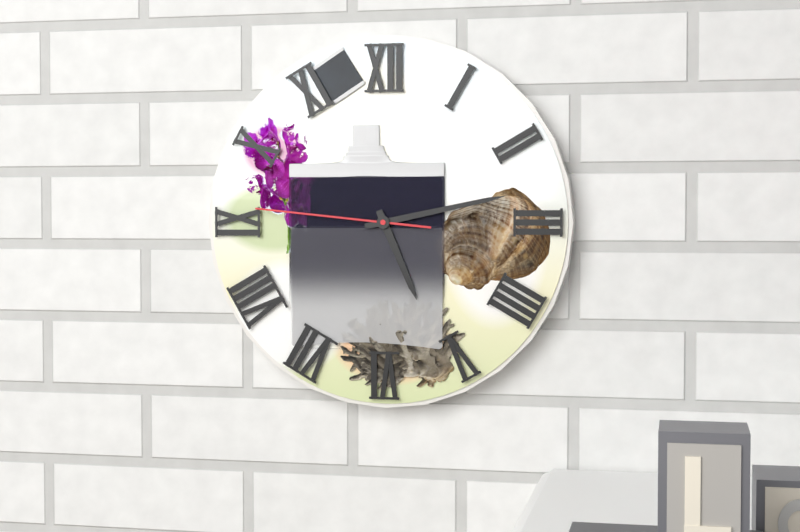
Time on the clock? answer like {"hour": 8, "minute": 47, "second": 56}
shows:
{"hour": 5, "minute": 13, "second": 46}
